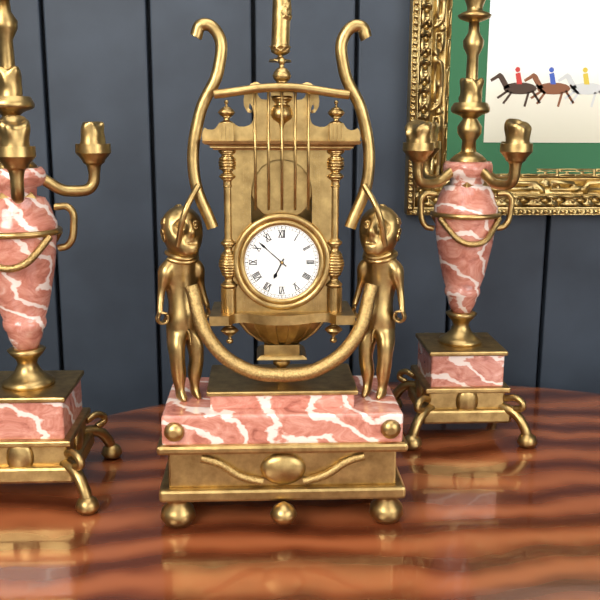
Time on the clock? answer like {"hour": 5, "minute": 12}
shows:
{"hour": 6, "minute": 52}
